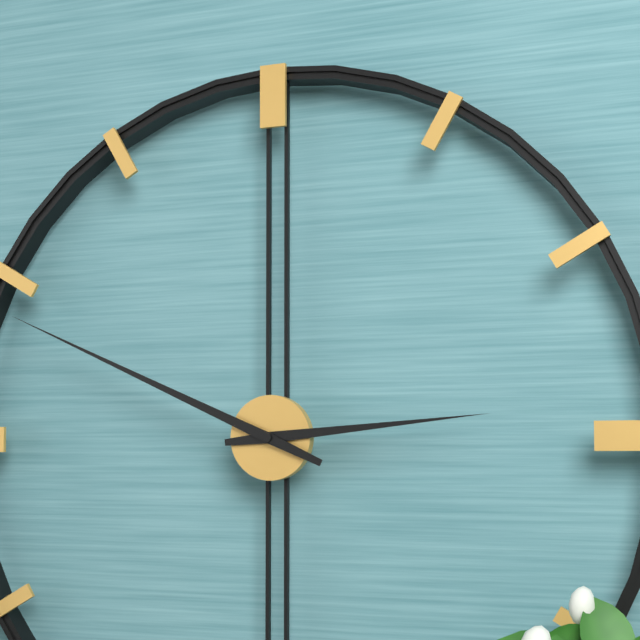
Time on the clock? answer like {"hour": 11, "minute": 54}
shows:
{"hour": 2, "minute": 49}
